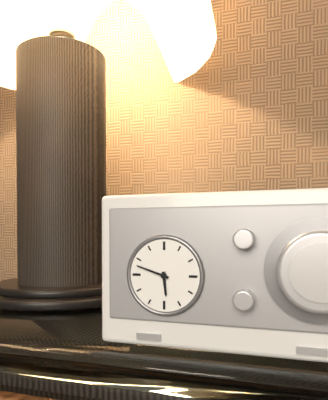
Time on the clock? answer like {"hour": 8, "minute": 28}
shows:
{"hour": 5, "minute": 48}
